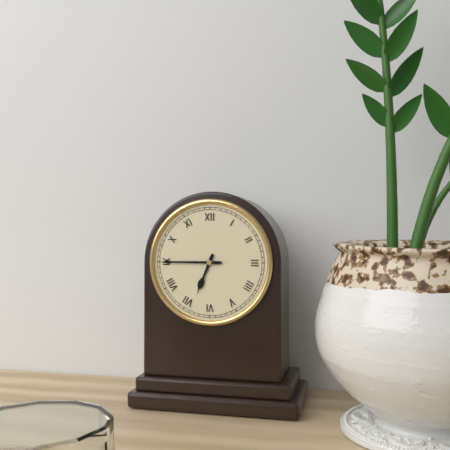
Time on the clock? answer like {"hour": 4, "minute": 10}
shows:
{"hour": 6, "minute": 45}
